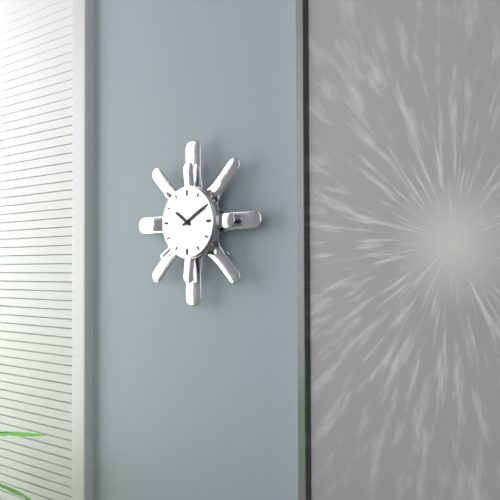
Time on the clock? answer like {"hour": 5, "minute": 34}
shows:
{"hour": 10, "minute": 10}
